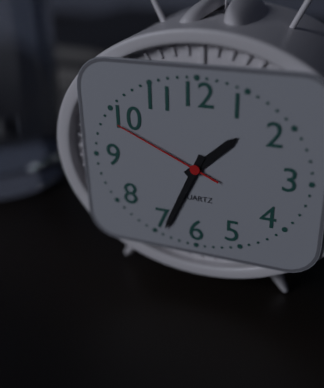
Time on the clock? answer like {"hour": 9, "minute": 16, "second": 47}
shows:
{"hour": 1, "minute": 34, "second": 49}
